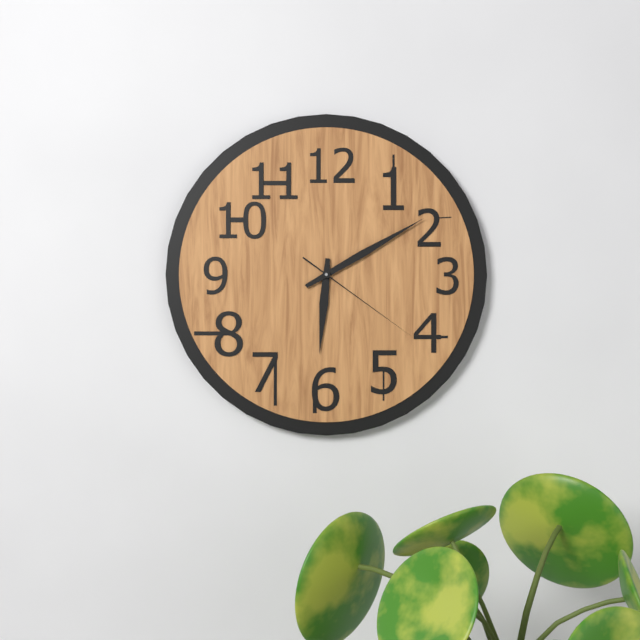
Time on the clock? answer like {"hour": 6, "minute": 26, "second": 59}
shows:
{"hour": 6, "minute": 10, "second": 21}
